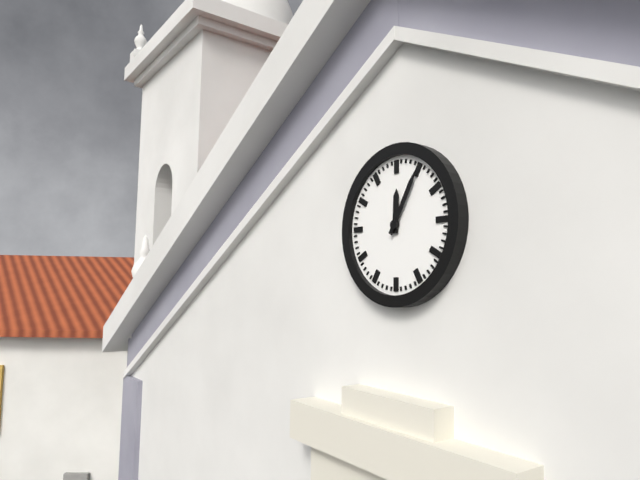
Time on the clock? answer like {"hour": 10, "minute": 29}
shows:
{"hour": 12, "minute": 5}
